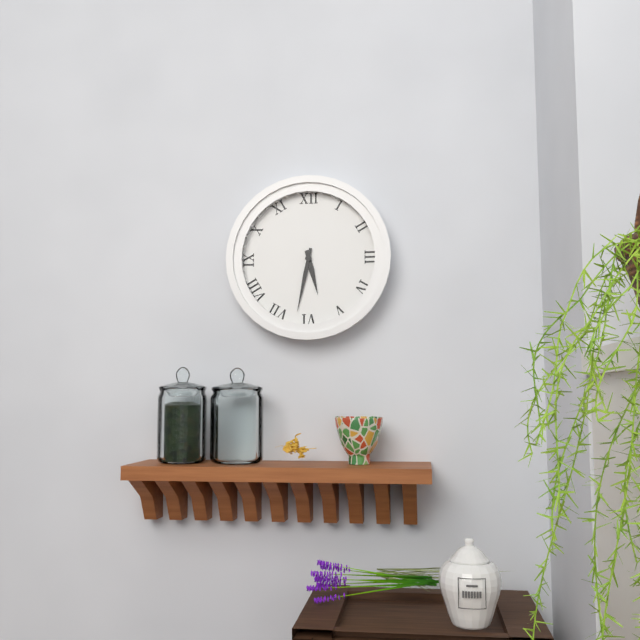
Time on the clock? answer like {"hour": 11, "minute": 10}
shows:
{"hour": 5, "minute": 32}
